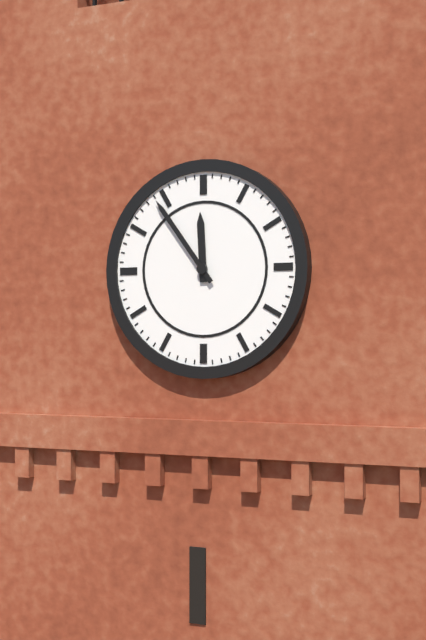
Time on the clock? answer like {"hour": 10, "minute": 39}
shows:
{"hour": 11, "minute": 54}
